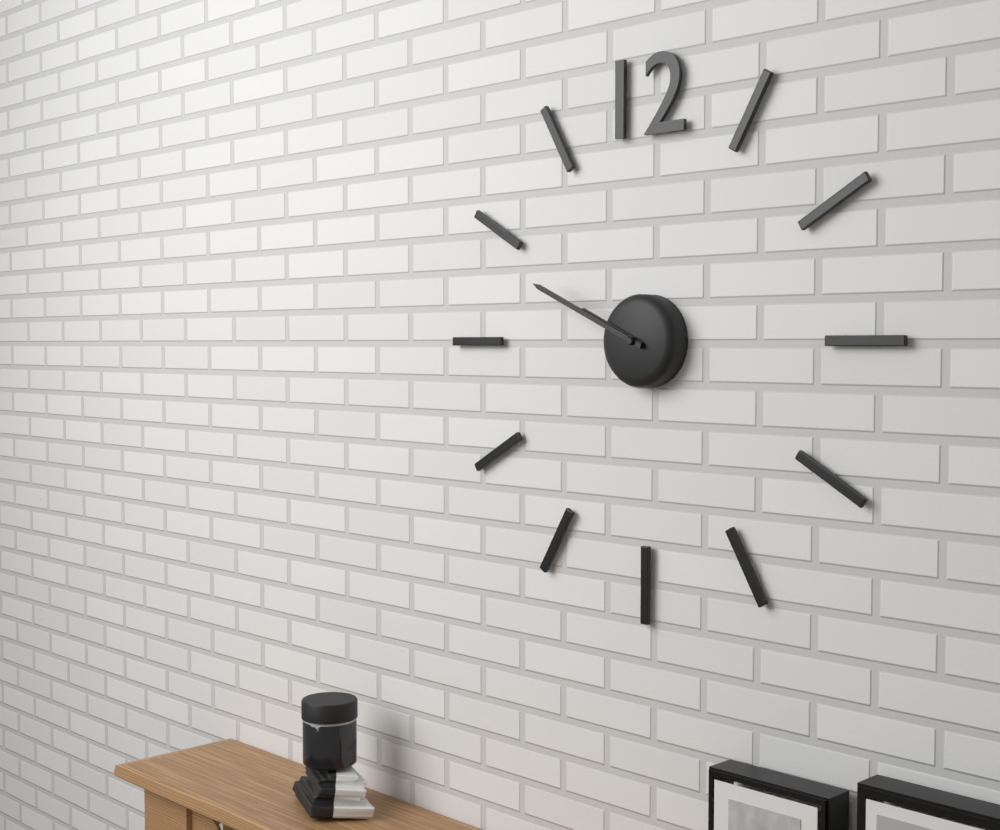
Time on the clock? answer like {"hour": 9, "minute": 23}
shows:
{"hour": 9, "minute": 49}
